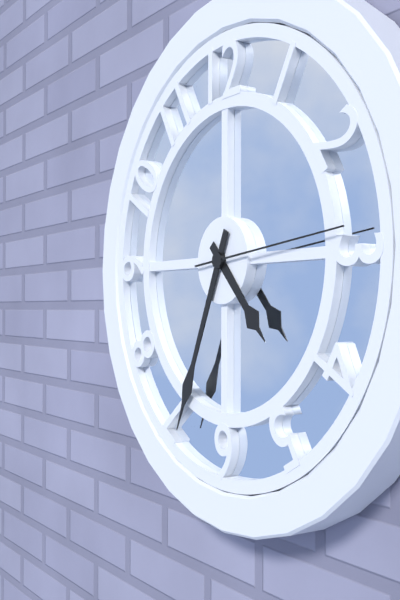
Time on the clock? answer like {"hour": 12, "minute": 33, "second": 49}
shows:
{"hour": 4, "minute": 34, "second": 14}
